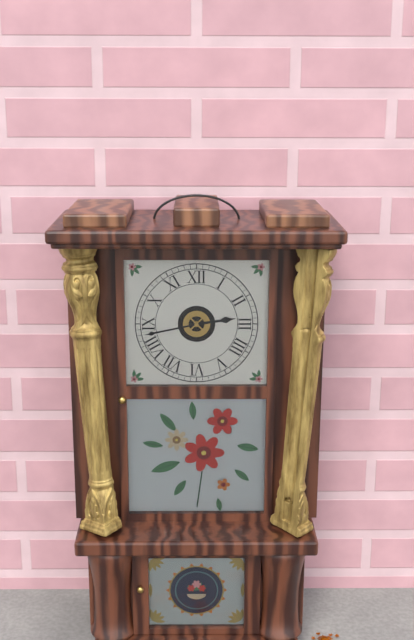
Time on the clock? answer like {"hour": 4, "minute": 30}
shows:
{"hour": 2, "minute": 43}
